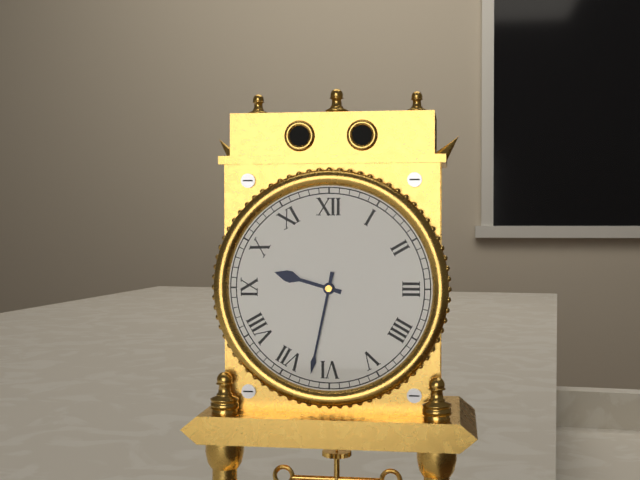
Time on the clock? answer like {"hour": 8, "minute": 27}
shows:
{"hour": 9, "minute": 32}
